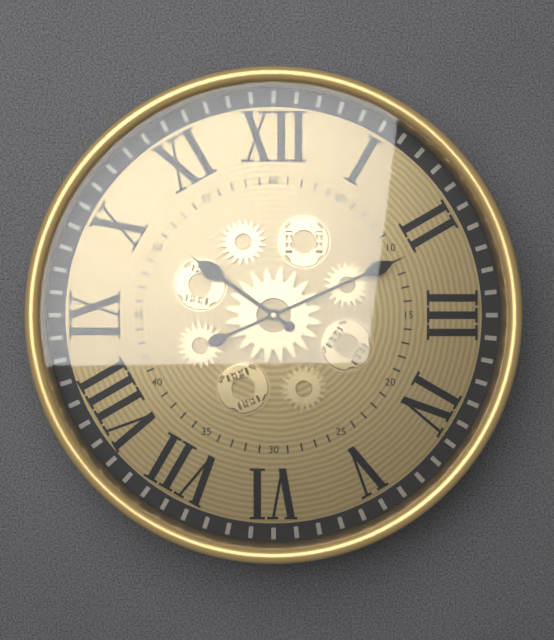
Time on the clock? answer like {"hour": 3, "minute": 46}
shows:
{"hour": 10, "minute": 11}
